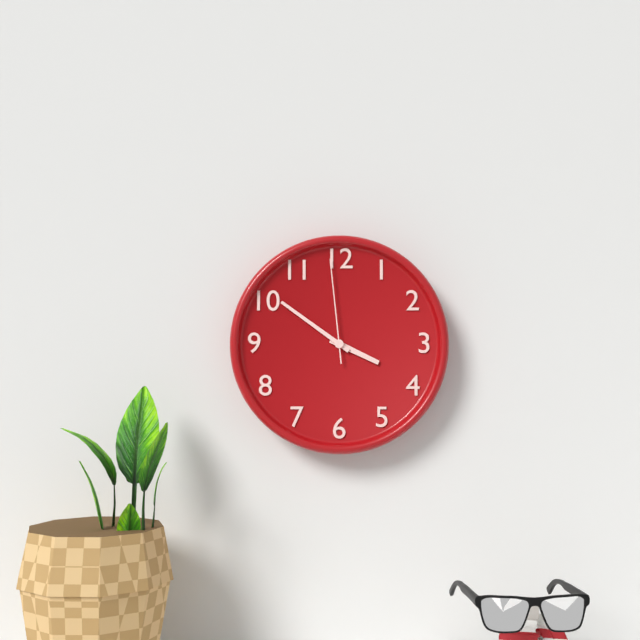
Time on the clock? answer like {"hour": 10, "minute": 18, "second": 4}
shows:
{"hour": 3, "minute": 51, "second": 59}
